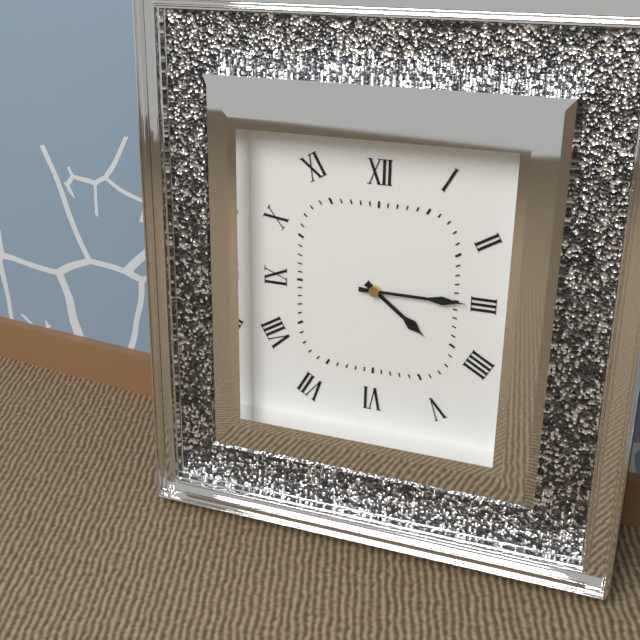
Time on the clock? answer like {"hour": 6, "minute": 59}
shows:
{"hour": 4, "minute": 15}
